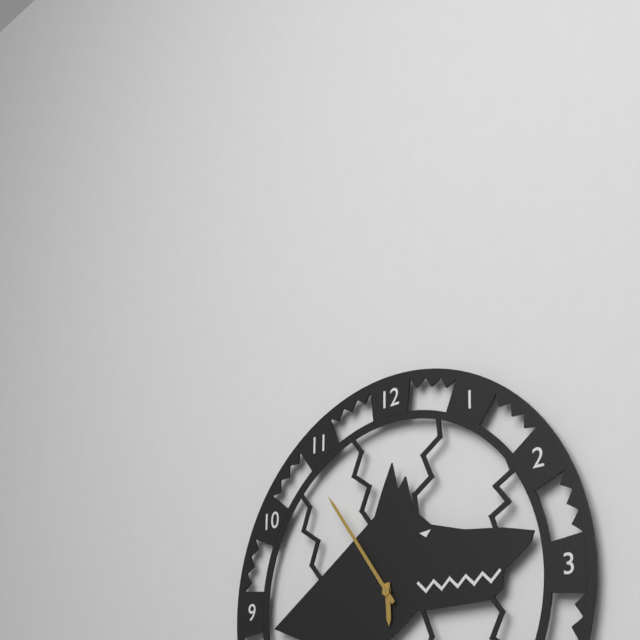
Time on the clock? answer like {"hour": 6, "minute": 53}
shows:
{"hour": 5, "minute": 54}
